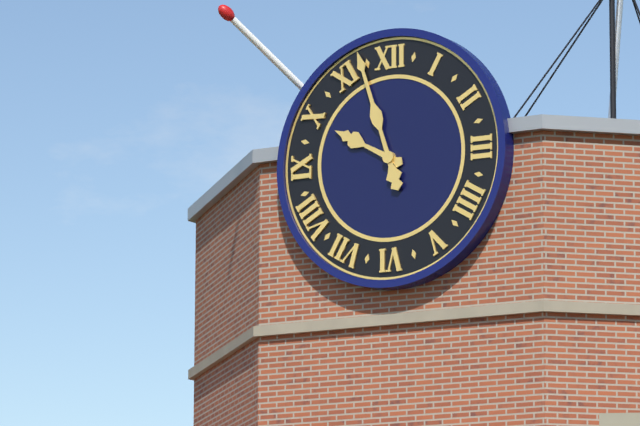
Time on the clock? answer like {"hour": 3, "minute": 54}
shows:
{"hour": 9, "minute": 57}
